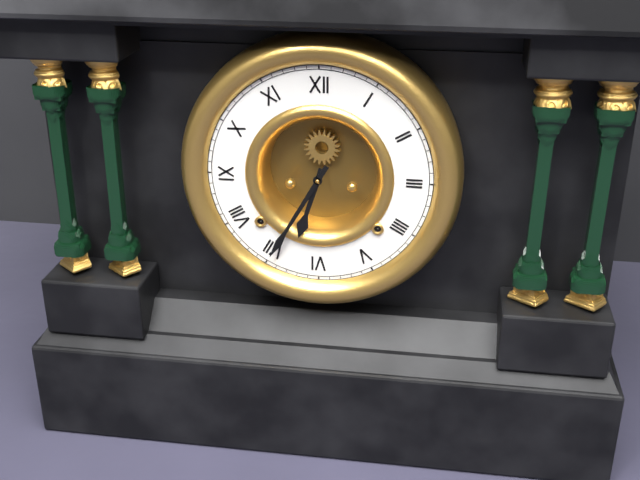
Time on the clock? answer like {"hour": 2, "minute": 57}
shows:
{"hour": 6, "minute": 35}
